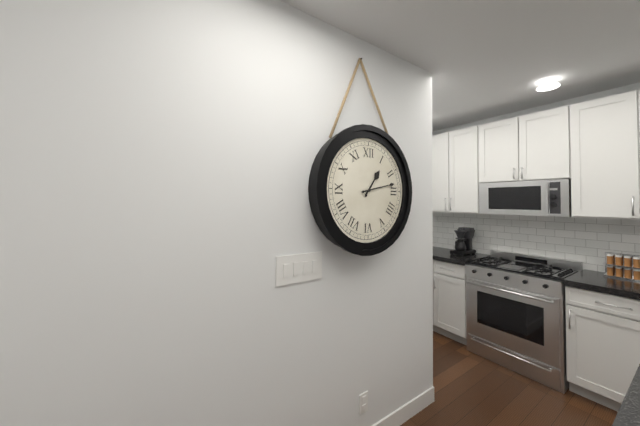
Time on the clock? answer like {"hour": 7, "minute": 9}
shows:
{"hour": 1, "minute": 13}
